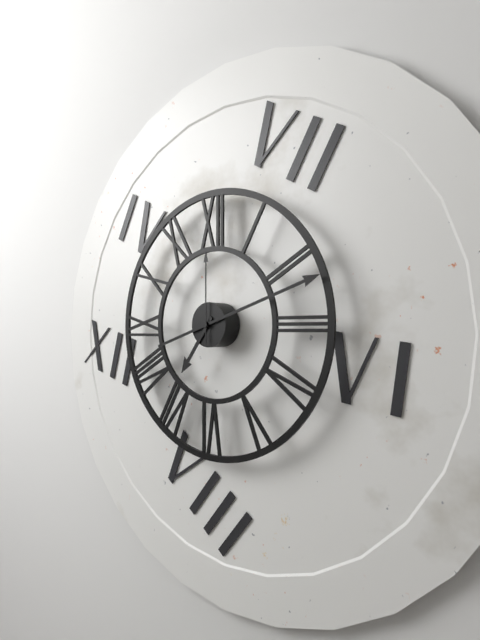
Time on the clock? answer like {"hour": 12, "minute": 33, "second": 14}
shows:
{"hour": 7, "minute": 12, "second": 0}
